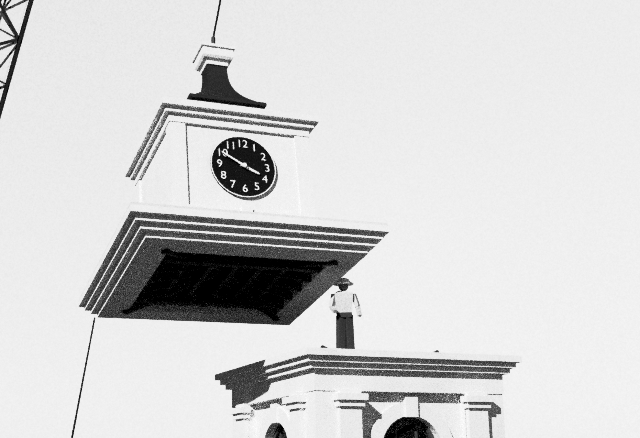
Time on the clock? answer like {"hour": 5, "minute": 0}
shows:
{"hour": 3, "minute": 50}
